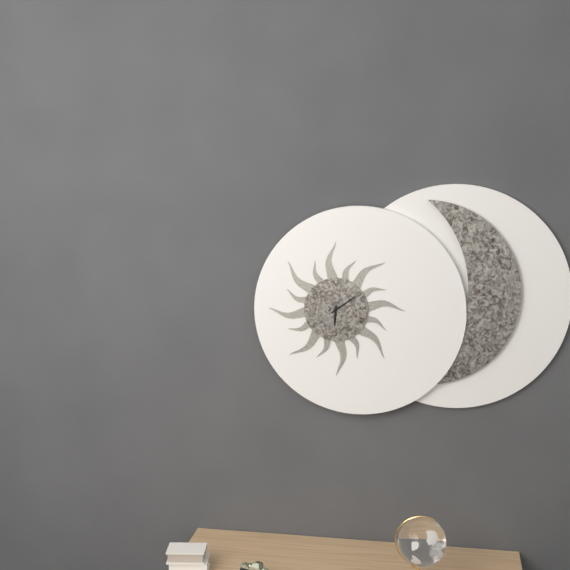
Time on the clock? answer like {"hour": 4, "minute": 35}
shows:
{"hour": 6, "minute": 9}
